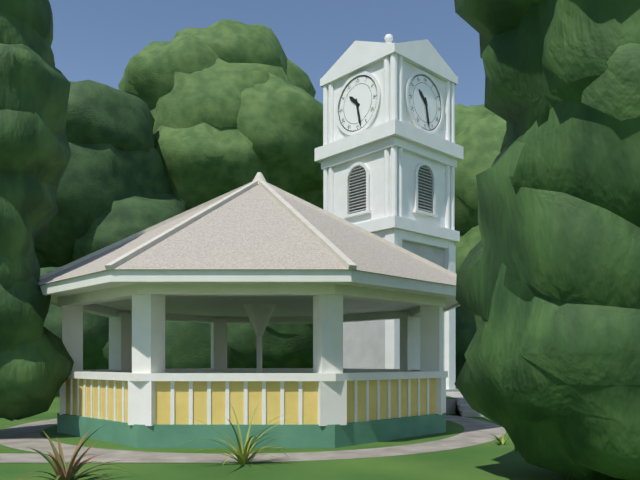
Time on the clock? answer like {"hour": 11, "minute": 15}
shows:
{"hour": 10, "minute": 28}
